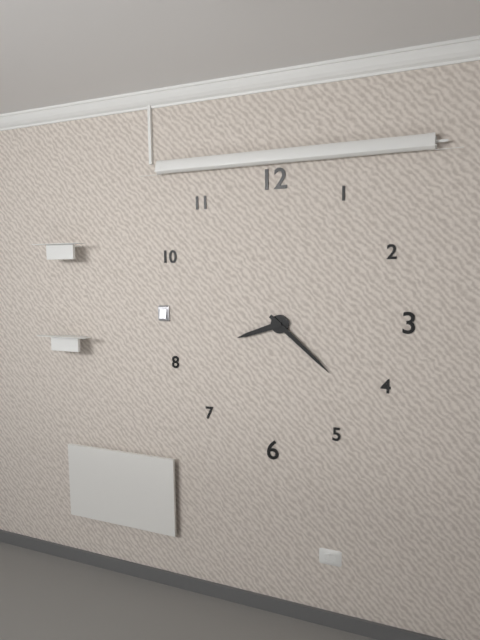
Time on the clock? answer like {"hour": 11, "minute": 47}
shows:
{"hour": 8, "minute": 22}
